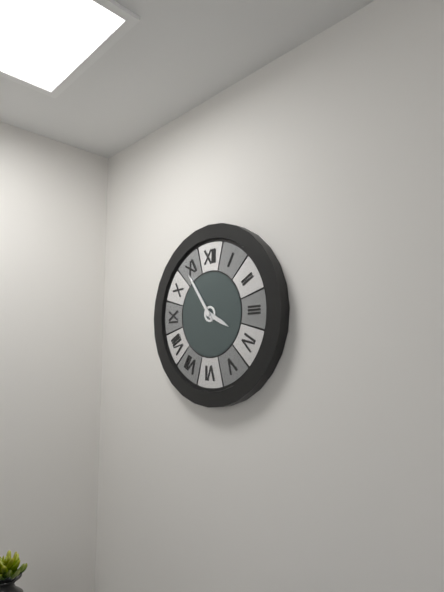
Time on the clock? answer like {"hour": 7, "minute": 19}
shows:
{"hour": 3, "minute": 54}
